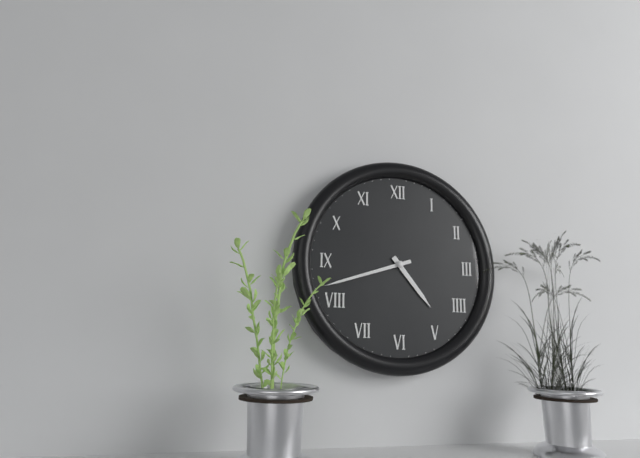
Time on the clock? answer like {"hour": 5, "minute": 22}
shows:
{"hour": 4, "minute": 42}
